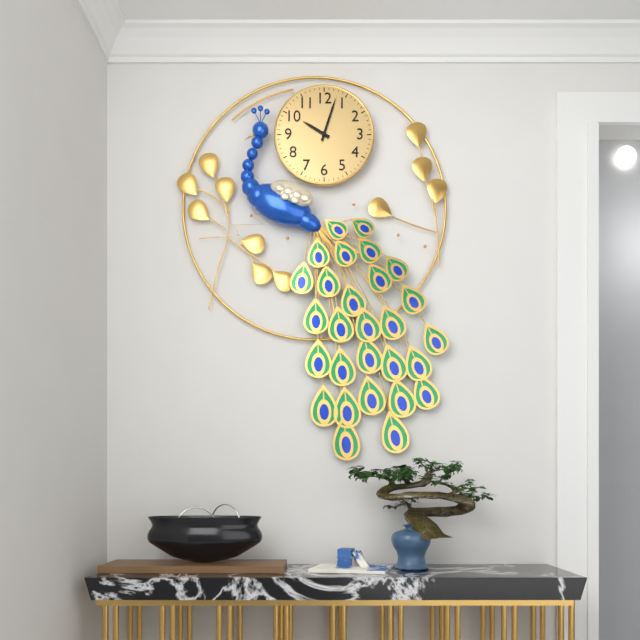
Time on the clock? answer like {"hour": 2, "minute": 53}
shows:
{"hour": 10, "minute": 3}
